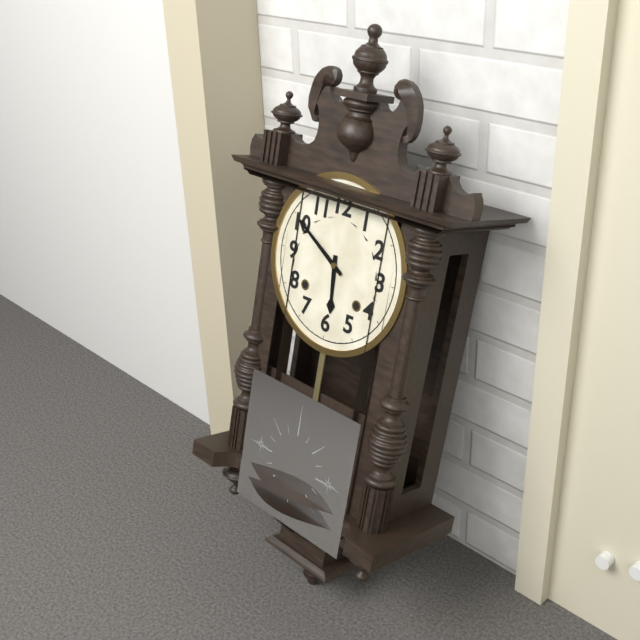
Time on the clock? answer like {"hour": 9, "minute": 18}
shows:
{"hour": 5, "minute": 50}
